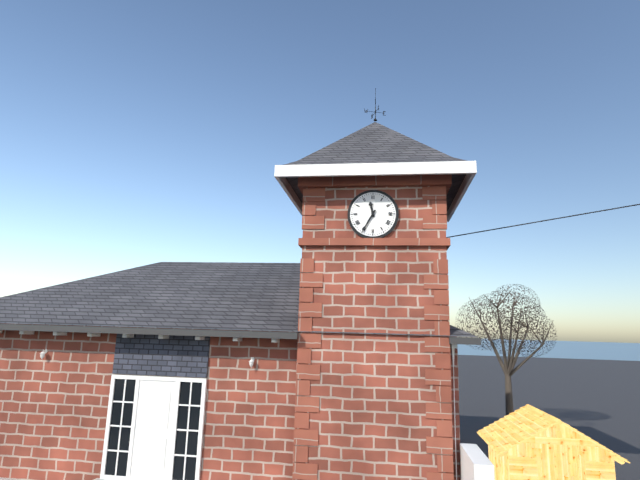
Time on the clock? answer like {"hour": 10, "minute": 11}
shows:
{"hour": 11, "minute": 35}
